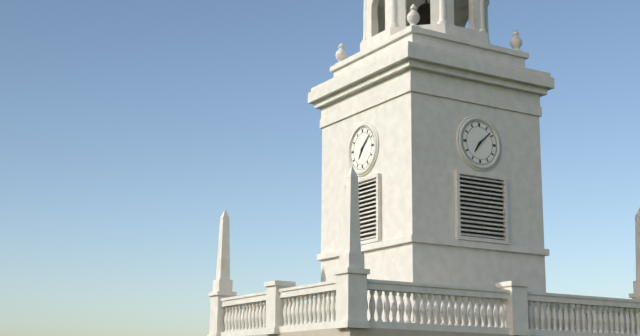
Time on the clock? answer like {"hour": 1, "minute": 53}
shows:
{"hour": 7, "minute": 8}
